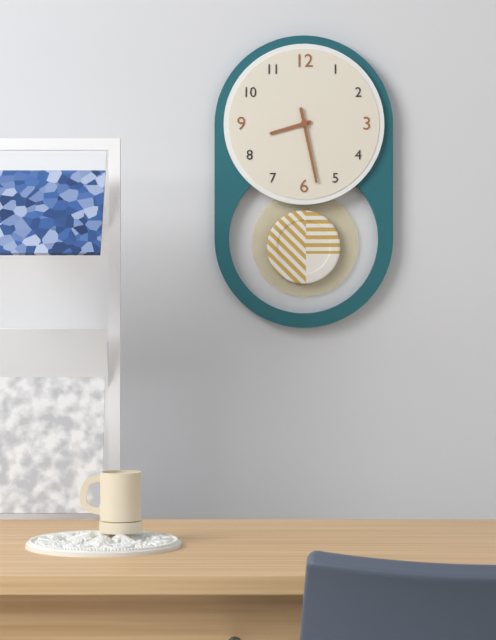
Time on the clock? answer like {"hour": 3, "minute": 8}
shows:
{"hour": 8, "minute": 28}
